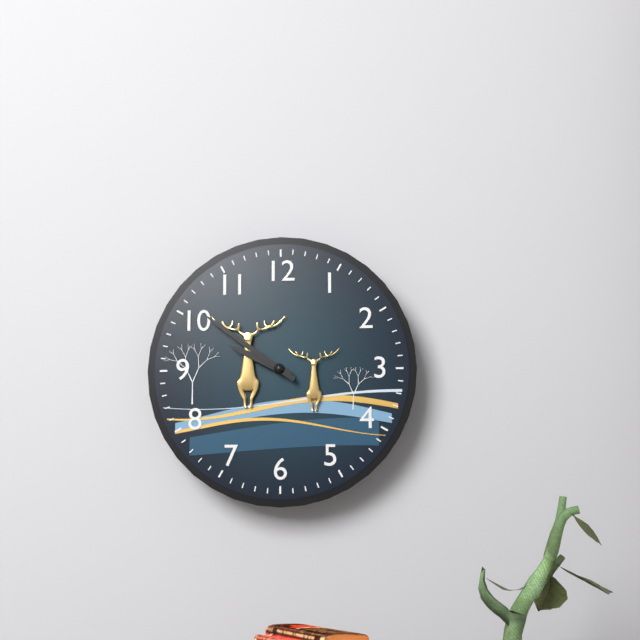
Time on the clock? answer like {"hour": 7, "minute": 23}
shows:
{"hour": 9, "minute": 51}
